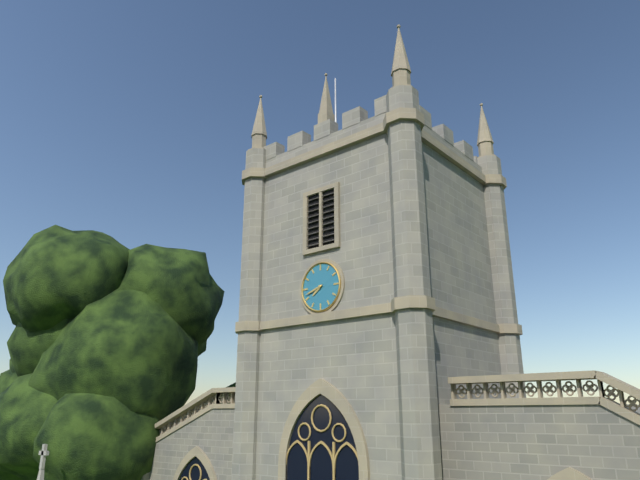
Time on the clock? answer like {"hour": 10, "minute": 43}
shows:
{"hour": 7, "minute": 42}
